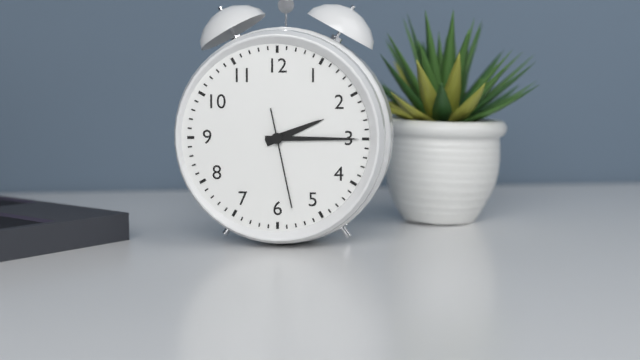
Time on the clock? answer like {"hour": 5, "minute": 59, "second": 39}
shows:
{"hour": 2, "minute": 15, "second": 28}
